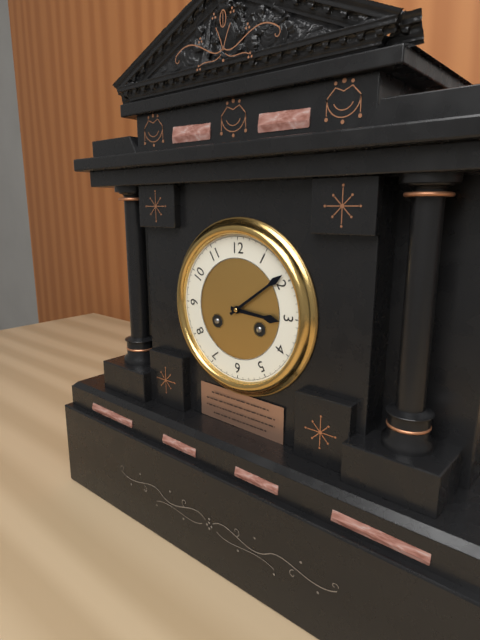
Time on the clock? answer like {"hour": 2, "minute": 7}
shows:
{"hour": 3, "minute": 9}
